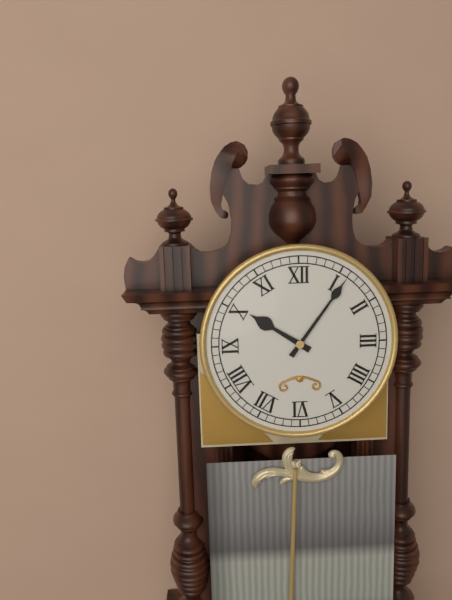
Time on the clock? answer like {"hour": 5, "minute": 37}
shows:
{"hour": 10, "minute": 6}
